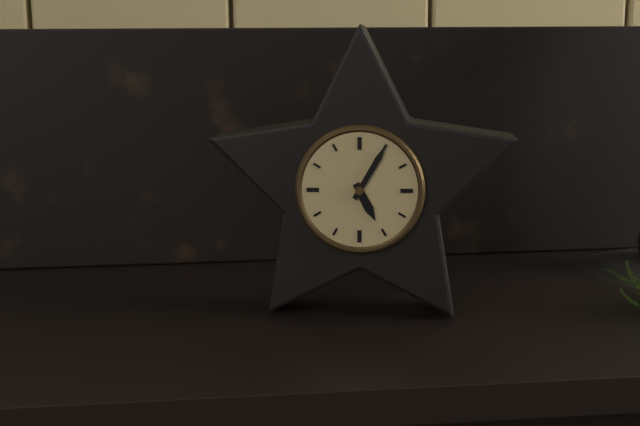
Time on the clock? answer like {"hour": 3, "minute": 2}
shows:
{"hour": 5, "minute": 5}
